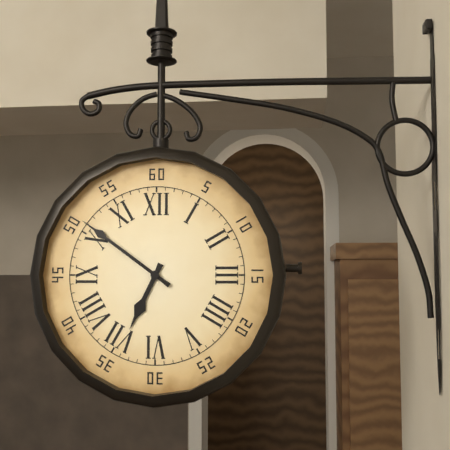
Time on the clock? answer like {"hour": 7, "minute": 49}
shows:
{"hour": 6, "minute": 51}
